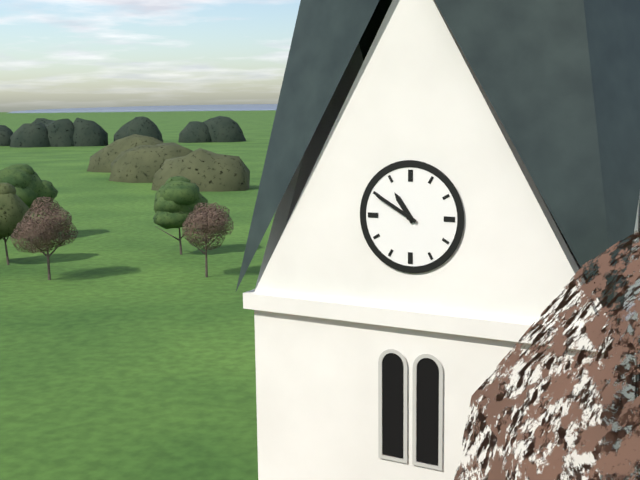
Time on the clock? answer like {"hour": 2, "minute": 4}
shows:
{"hour": 10, "minute": 50}
